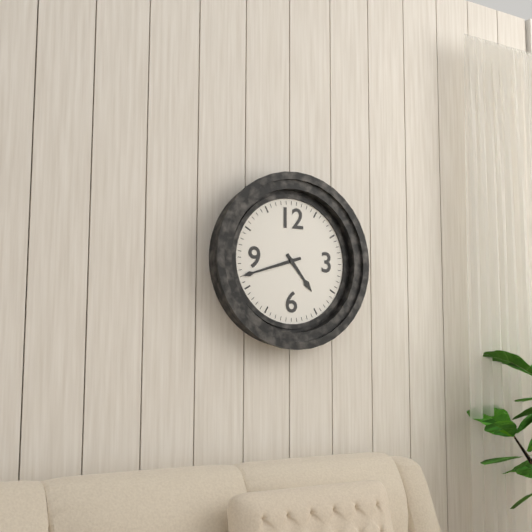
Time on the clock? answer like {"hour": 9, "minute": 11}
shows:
{"hour": 4, "minute": 42}
